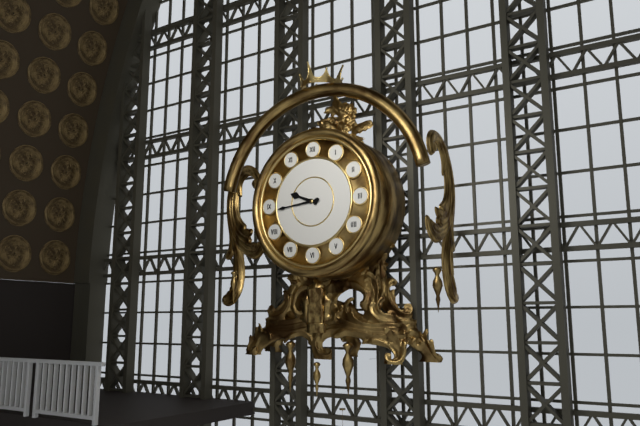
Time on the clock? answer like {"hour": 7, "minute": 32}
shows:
{"hour": 9, "minute": 44}
